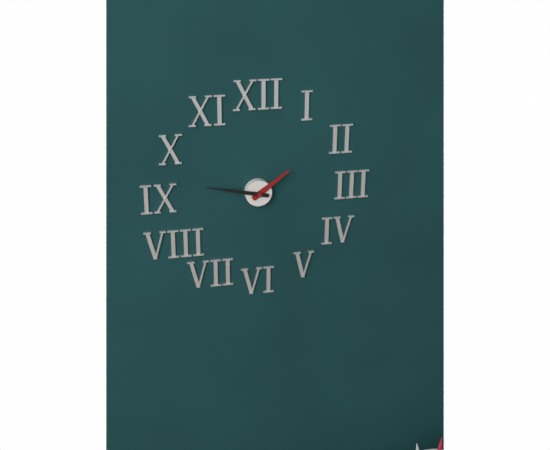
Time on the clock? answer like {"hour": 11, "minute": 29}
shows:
{"hour": 1, "minute": 47}
